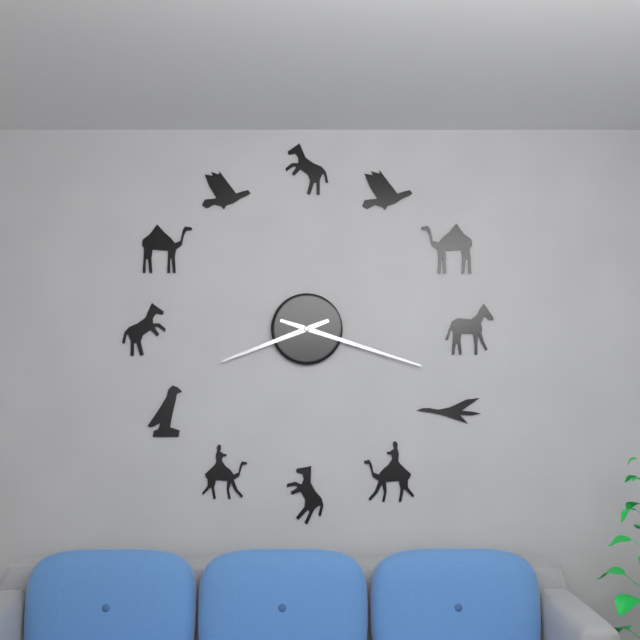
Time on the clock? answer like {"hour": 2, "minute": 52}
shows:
{"hour": 8, "minute": 18}
